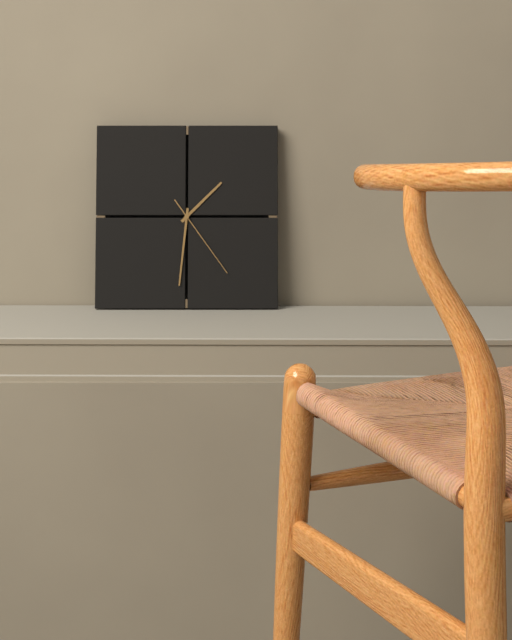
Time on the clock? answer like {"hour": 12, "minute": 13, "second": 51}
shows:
{"hour": 1, "minute": 31, "second": 24}
